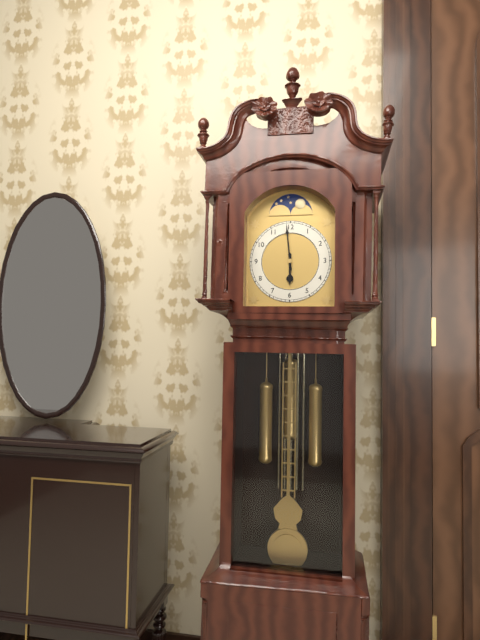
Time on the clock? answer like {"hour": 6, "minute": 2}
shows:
{"hour": 5, "minute": 59}
